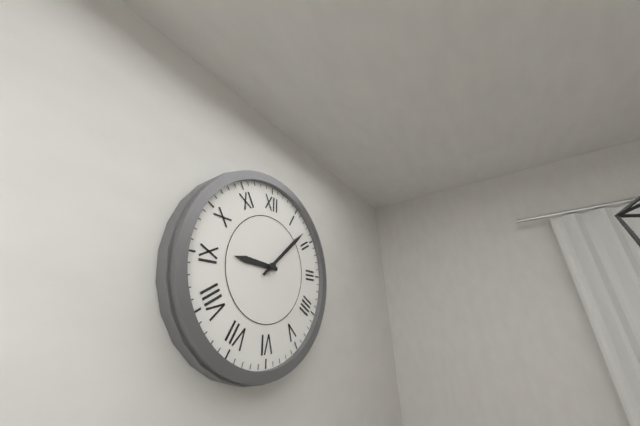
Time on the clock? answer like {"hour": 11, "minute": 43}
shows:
{"hour": 9, "minute": 8}
